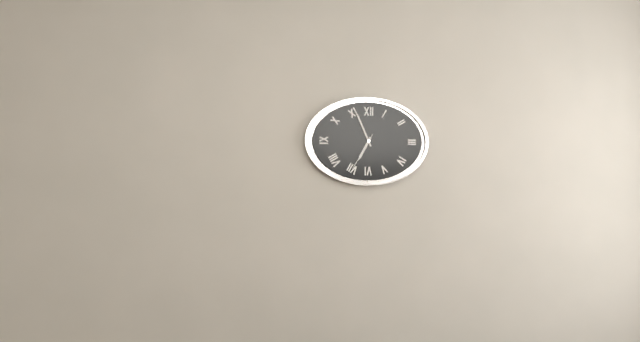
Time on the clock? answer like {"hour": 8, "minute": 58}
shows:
{"hour": 6, "minute": 56}
